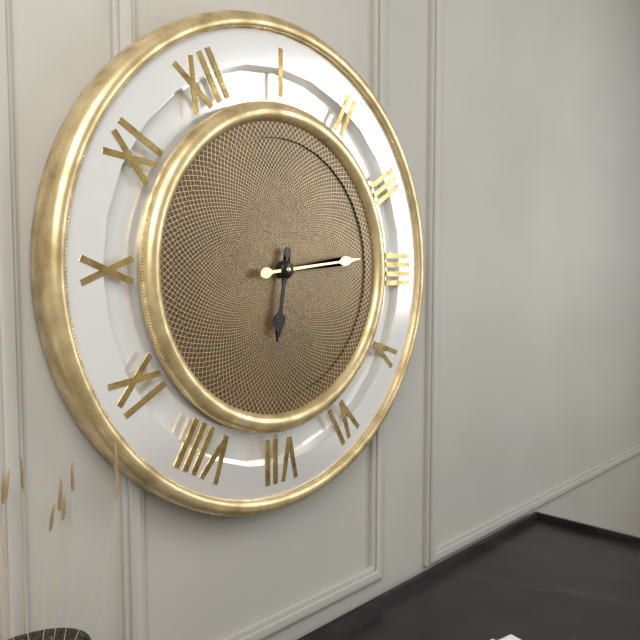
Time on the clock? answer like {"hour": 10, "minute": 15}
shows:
{"hour": 7, "minute": 19}
